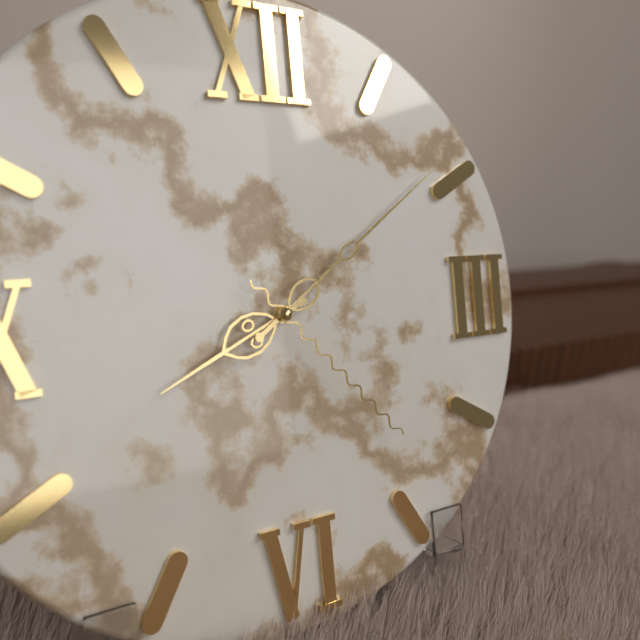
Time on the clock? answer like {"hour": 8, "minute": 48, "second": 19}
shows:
{"hour": 8, "minute": 9, "second": 23}
